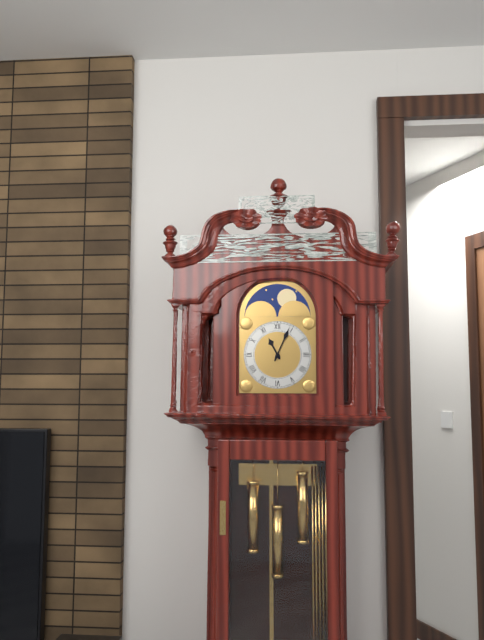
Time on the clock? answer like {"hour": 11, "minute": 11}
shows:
{"hour": 11, "minute": 4}
